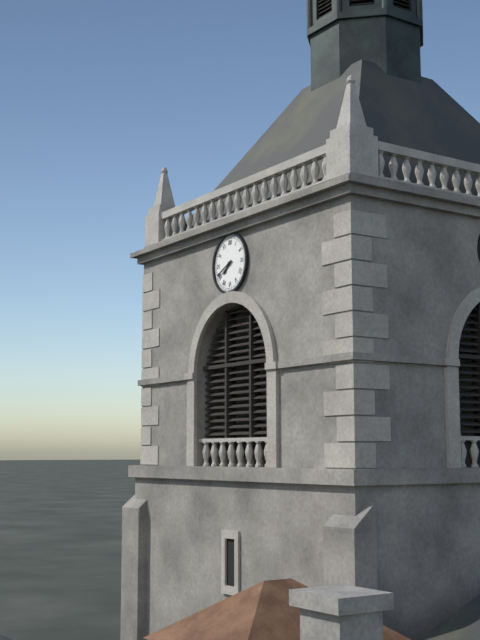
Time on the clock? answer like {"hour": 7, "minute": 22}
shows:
{"hour": 7, "minute": 41}
